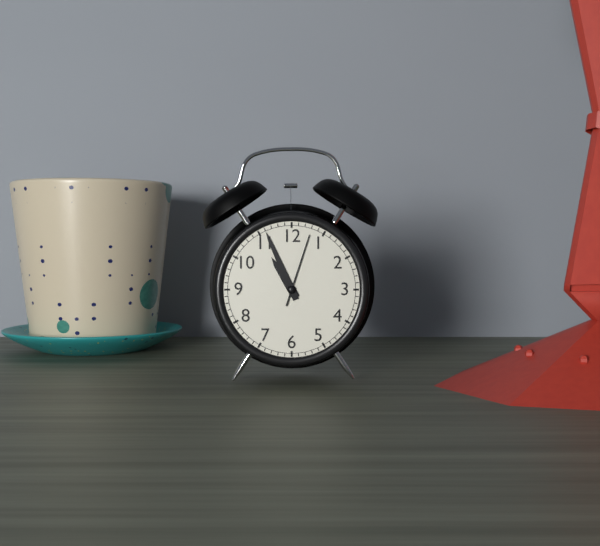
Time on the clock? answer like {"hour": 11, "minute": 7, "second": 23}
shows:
{"hour": 10, "minute": 56, "second": 3}
